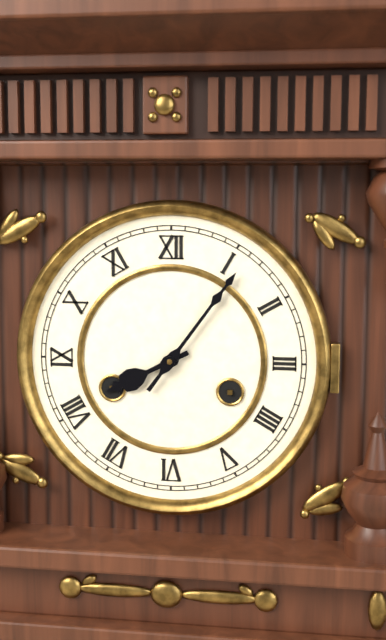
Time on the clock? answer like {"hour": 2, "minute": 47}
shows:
{"hour": 8, "minute": 6}
